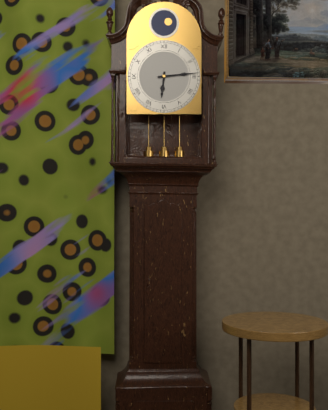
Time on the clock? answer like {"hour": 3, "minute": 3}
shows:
{"hour": 6, "minute": 14}
